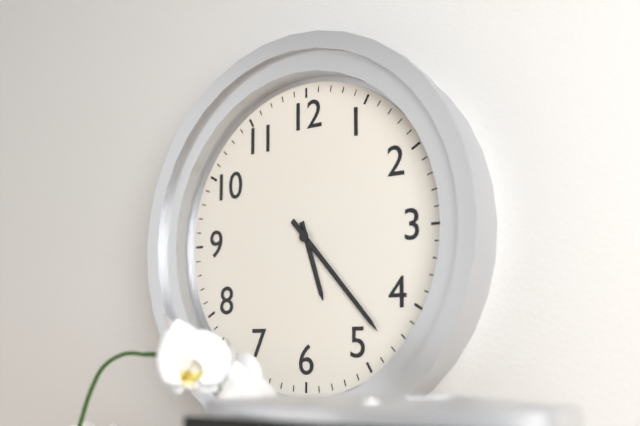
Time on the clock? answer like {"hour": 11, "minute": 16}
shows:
{"hour": 5, "minute": 23}
